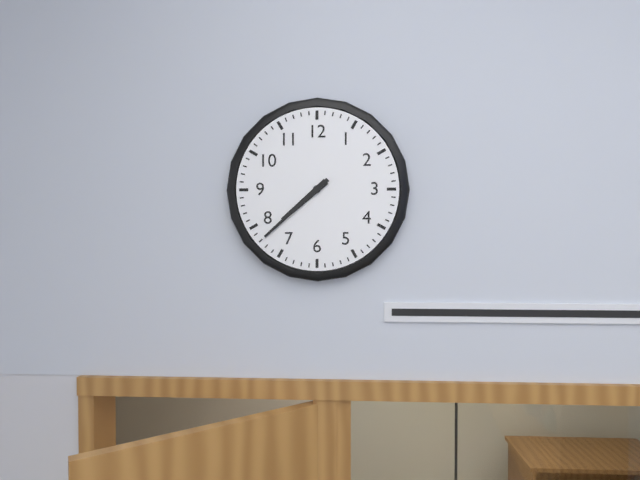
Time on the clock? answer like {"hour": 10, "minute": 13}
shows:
{"hour": 7, "minute": 38}
